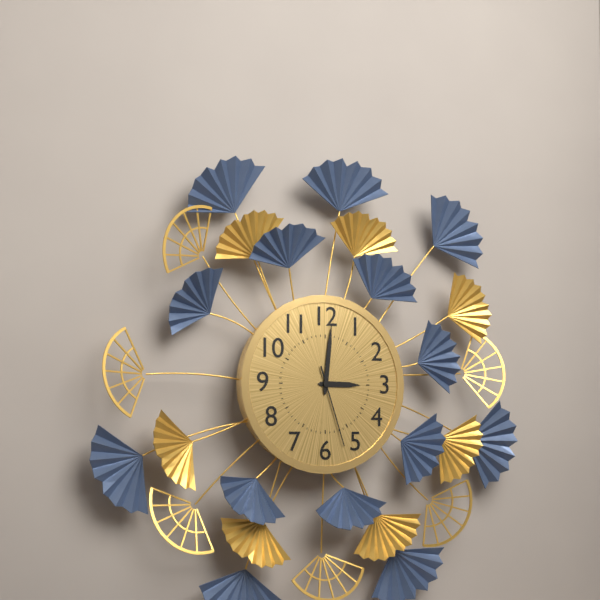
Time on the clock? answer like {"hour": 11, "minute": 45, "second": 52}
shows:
{"hour": 3, "minute": 1, "second": 27}
